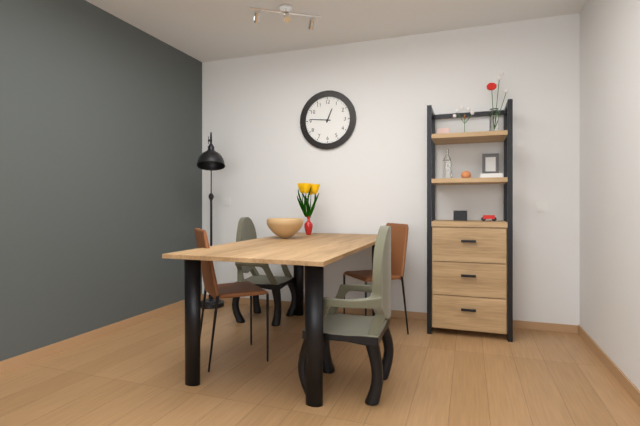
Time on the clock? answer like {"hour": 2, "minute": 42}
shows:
{"hour": 12, "minute": 46}
